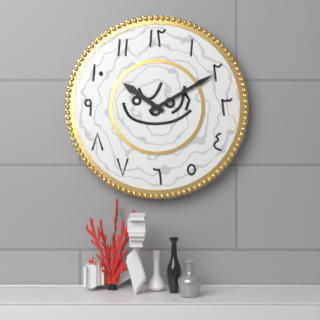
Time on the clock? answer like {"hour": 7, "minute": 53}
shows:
{"hour": 10, "minute": 10}
